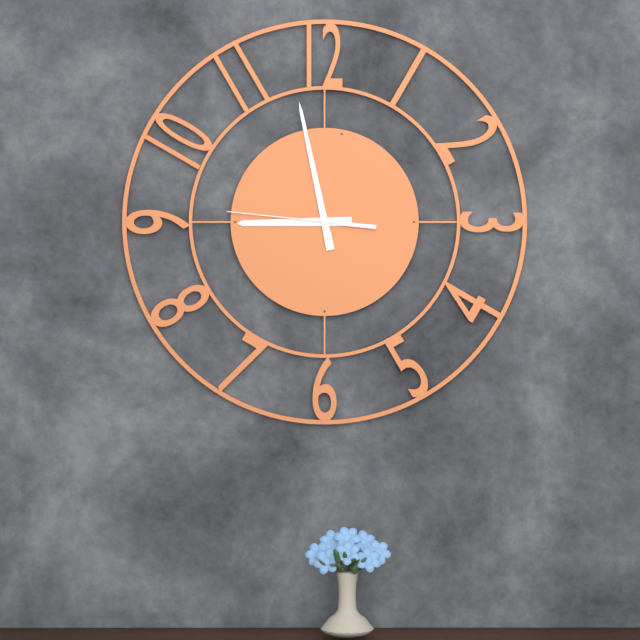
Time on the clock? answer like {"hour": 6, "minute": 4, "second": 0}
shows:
{"hour": 8, "minute": 58, "second": 46}
